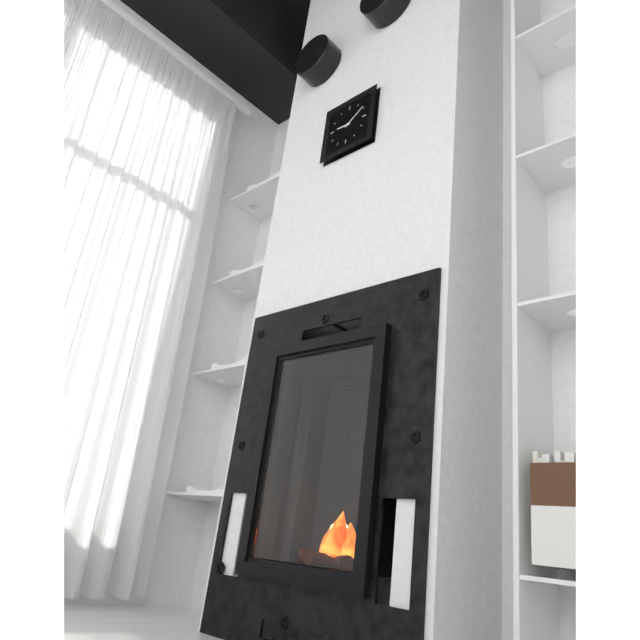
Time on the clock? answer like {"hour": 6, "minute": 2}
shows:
{"hour": 9, "minute": 9}
